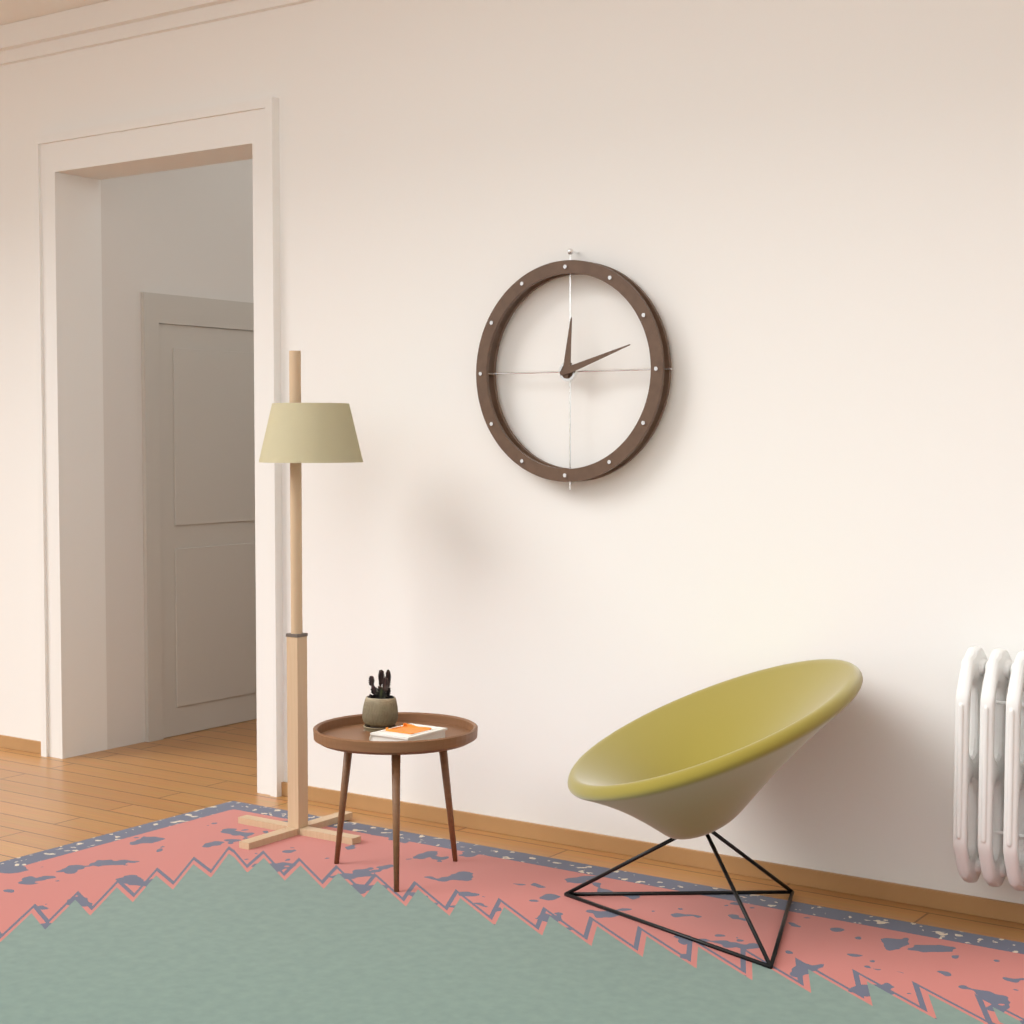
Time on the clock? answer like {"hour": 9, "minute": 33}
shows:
{"hour": 12, "minute": 12}
